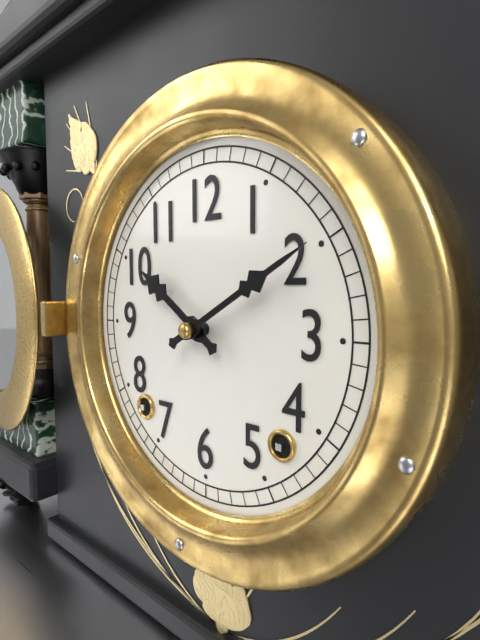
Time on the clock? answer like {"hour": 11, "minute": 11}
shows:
{"hour": 10, "minute": 10}
